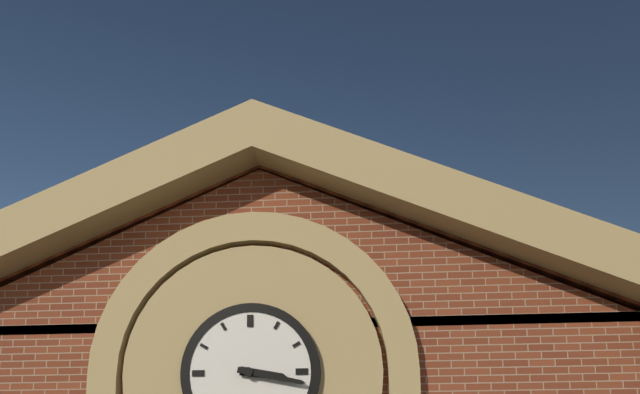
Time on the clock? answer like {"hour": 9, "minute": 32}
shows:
{"hour": 3, "minute": 17}
